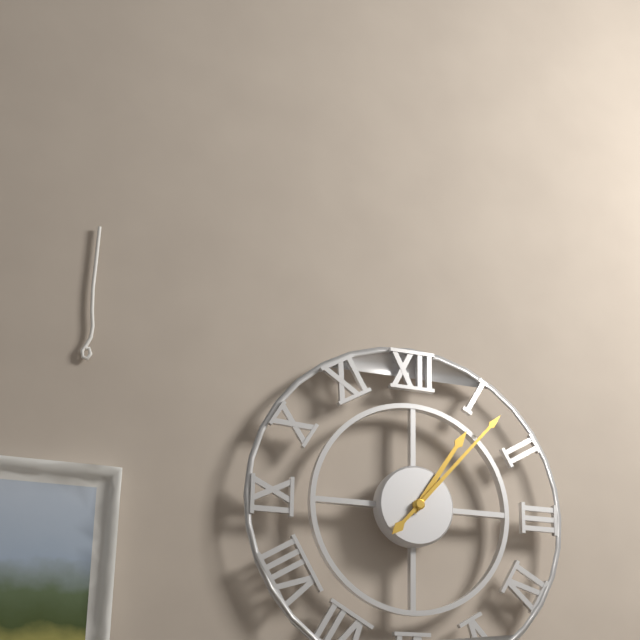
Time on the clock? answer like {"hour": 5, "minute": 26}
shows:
{"hour": 1, "minute": 7}
